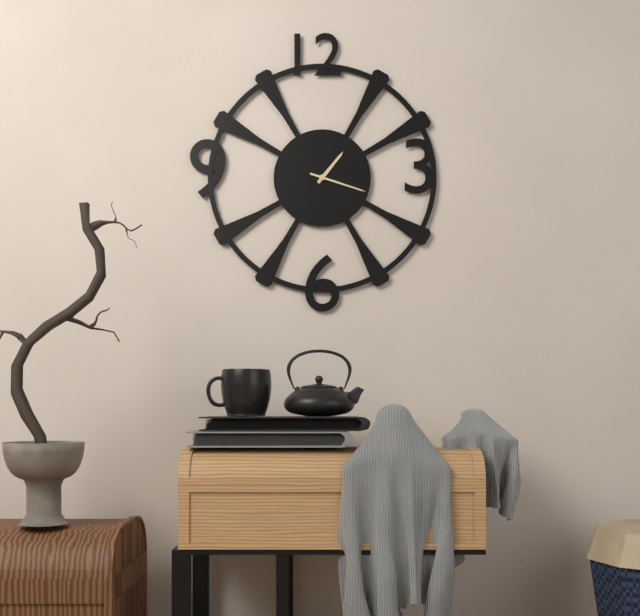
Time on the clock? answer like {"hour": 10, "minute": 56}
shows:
{"hour": 1, "minute": 18}
